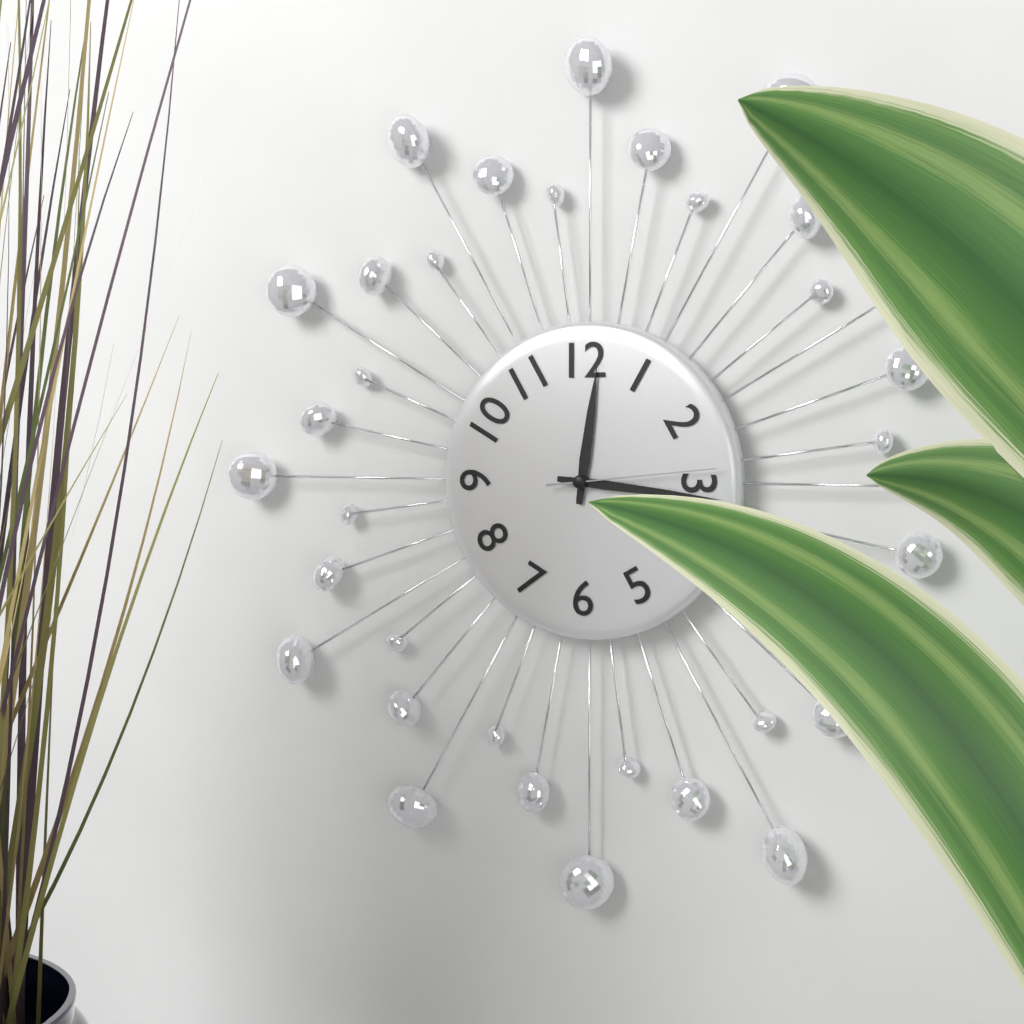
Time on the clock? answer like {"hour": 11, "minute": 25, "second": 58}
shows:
{"hour": 12, "minute": 16, "second": 14}
